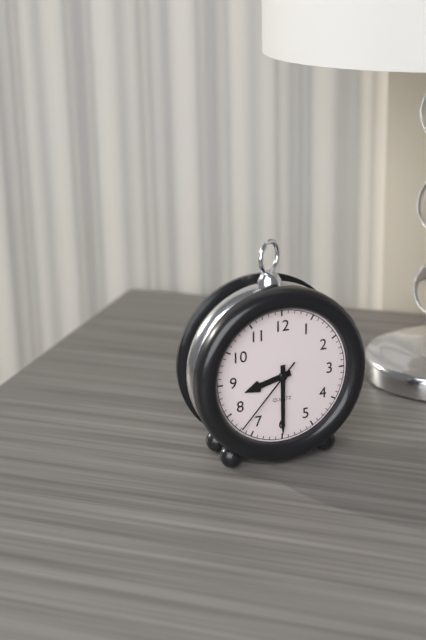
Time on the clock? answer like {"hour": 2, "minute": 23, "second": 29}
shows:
{"hour": 8, "minute": 30, "second": 37}
